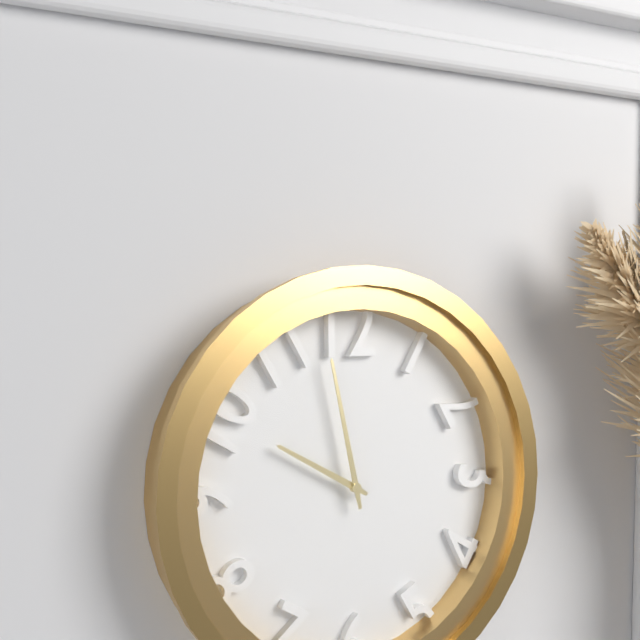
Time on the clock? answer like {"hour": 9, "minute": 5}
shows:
{"hour": 9, "minute": 58}
